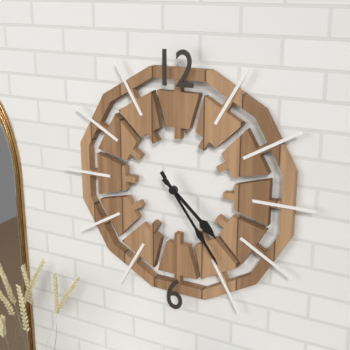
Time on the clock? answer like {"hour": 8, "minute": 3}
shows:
{"hour": 4, "minute": 24}
